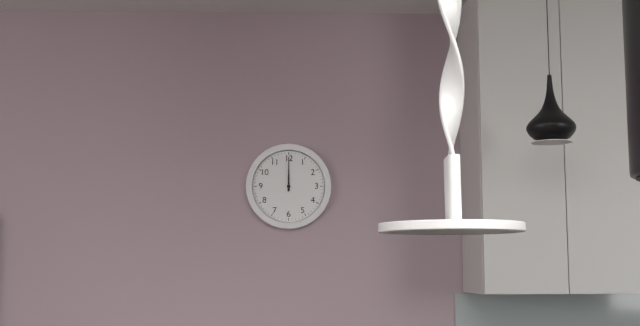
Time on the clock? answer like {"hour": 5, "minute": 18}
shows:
{"hour": 12, "minute": 0}
